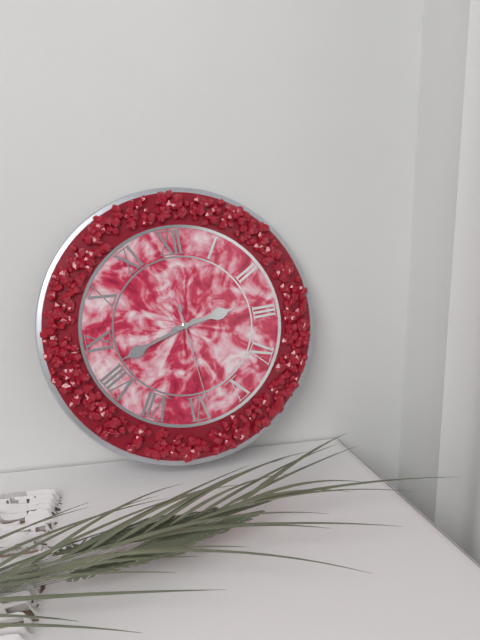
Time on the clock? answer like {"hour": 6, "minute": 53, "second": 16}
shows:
{"hour": 2, "minute": 42, "second": 29}
